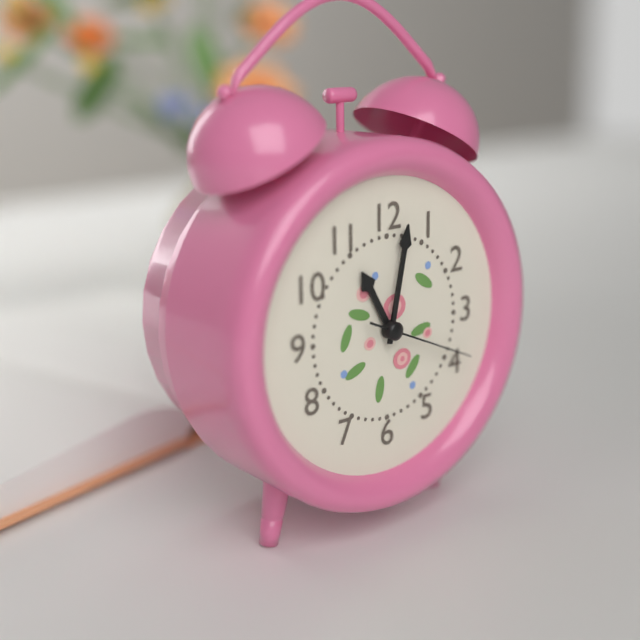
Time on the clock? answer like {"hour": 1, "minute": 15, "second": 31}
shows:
{"hour": 11, "minute": 2, "second": 19}
